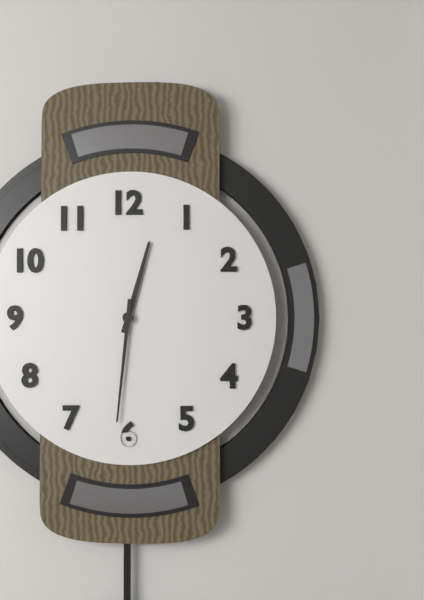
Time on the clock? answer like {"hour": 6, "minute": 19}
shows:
{"hour": 12, "minute": 31}
